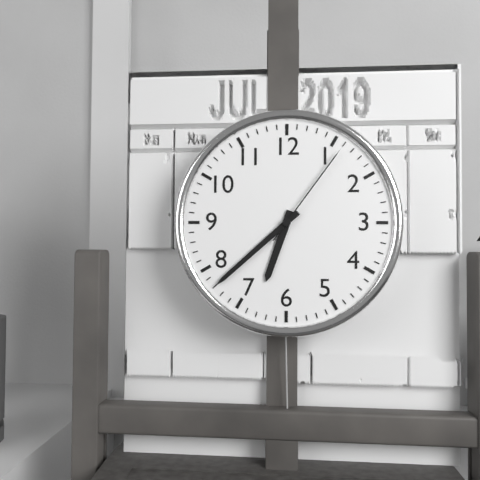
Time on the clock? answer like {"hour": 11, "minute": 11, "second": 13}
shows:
{"hour": 6, "minute": 38, "second": 6}
